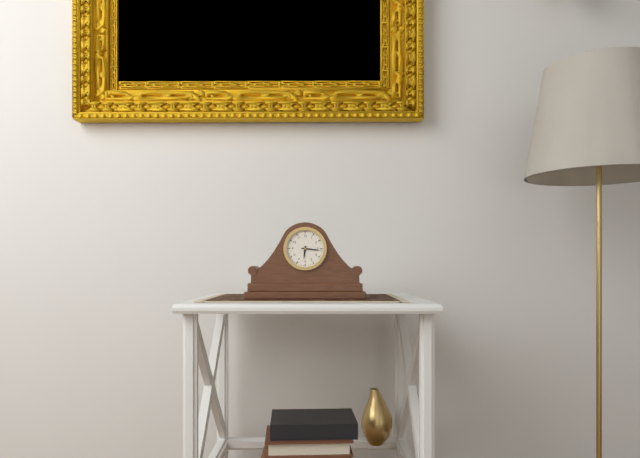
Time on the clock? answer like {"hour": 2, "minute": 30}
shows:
{"hour": 6, "minute": 16}
